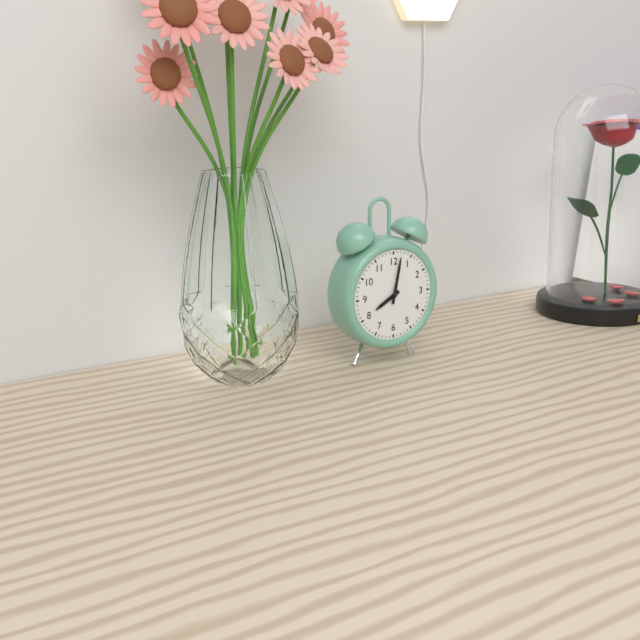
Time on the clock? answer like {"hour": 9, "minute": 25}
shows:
{"hour": 8, "minute": 2}
